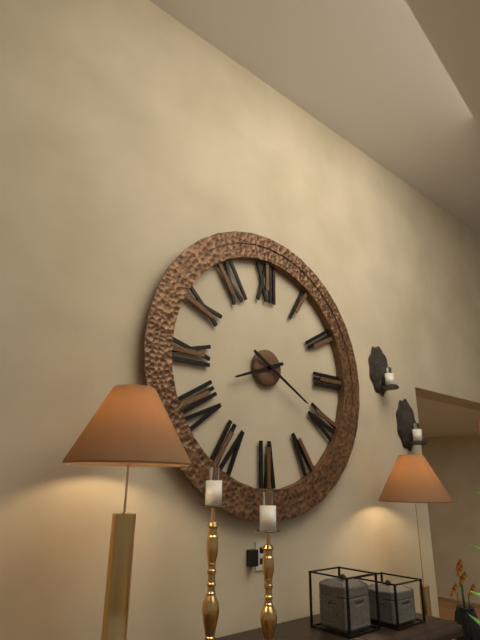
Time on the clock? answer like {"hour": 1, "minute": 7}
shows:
{"hour": 8, "minute": 20}
